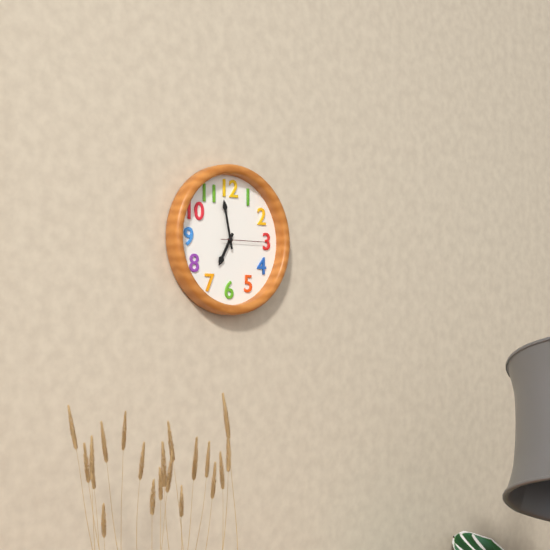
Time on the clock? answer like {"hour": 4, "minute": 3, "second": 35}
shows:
{"hour": 6, "minute": 58, "second": 15}
